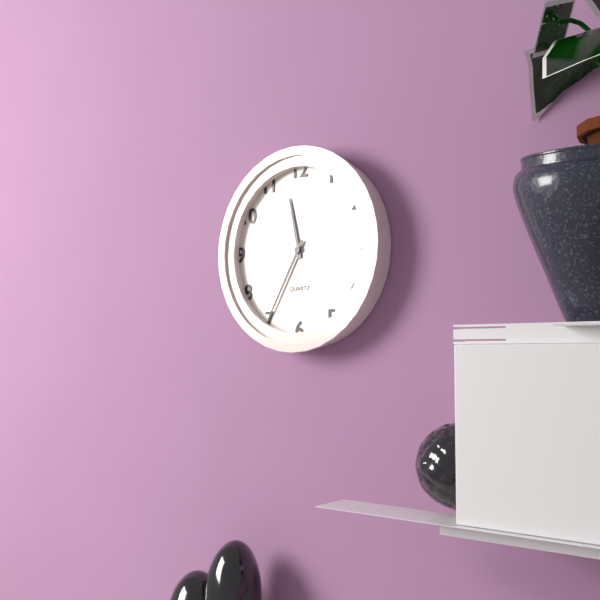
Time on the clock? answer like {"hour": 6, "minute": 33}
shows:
{"hour": 11, "minute": 35}
